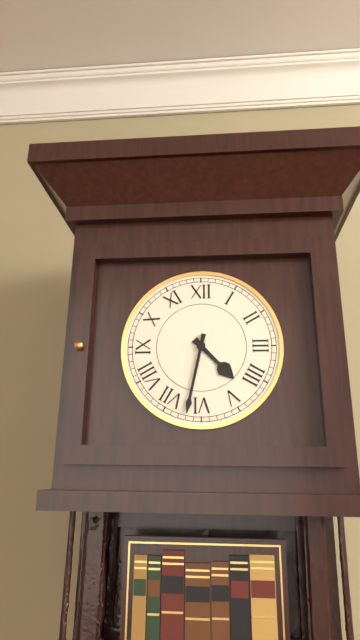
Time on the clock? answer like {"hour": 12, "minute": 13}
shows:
{"hour": 4, "minute": 32}
